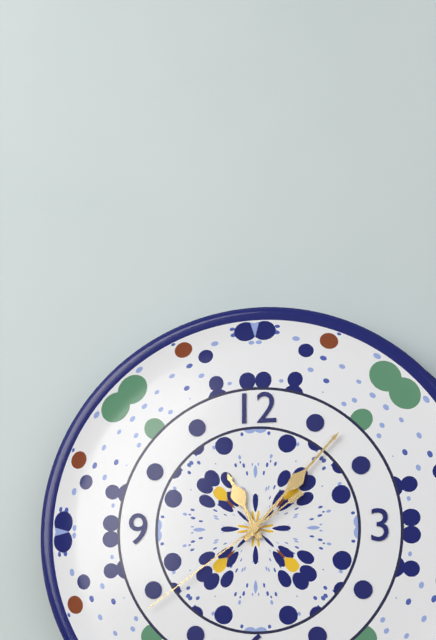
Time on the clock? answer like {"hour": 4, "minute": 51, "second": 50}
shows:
{"hour": 11, "minute": 7, "second": 39}
